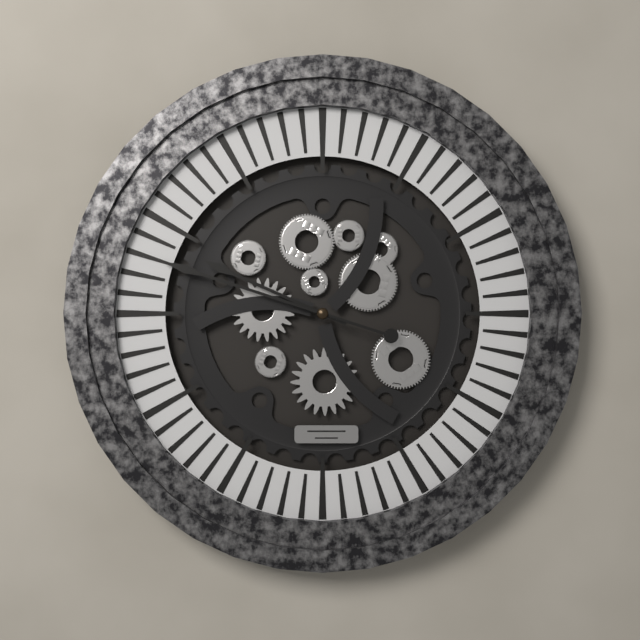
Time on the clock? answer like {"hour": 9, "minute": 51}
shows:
{"hour": 9, "minute": 48}
